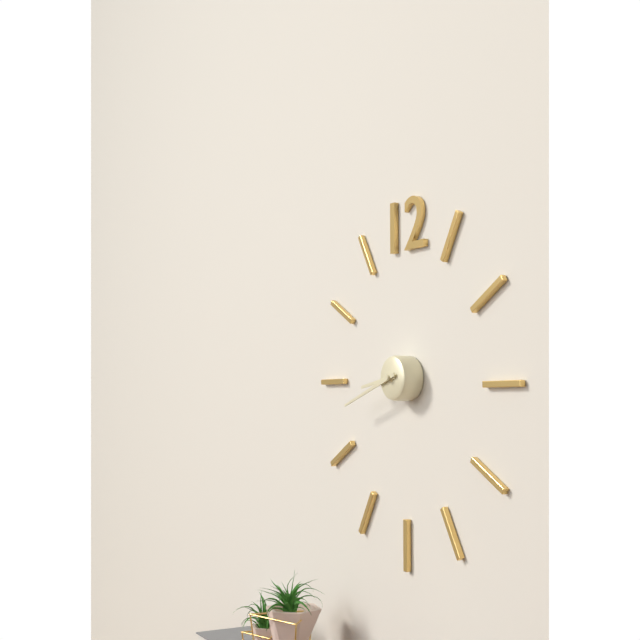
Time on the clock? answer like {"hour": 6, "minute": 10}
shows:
{"hour": 8, "minute": 42}
